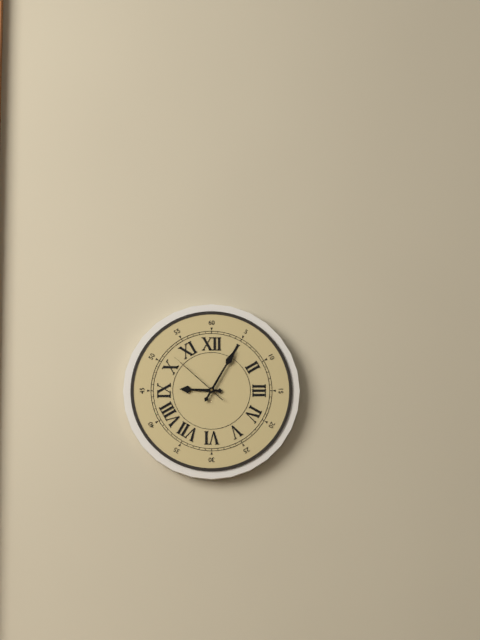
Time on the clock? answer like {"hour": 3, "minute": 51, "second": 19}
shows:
{"hour": 9, "minute": 5, "second": 52}
